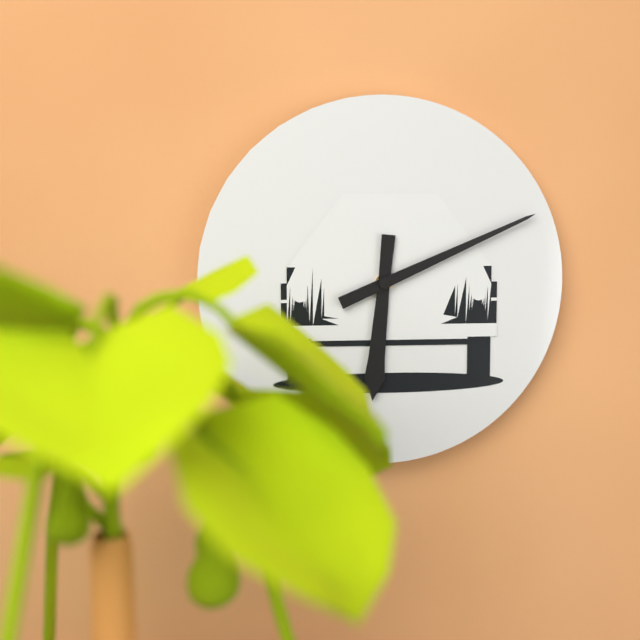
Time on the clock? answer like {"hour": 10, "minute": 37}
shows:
{"hour": 6, "minute": 11}
